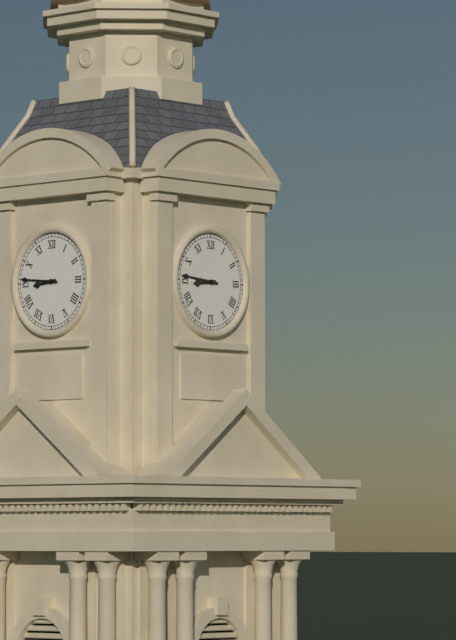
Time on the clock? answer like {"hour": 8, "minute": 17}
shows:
{"hour": 8, "minute": 46}
